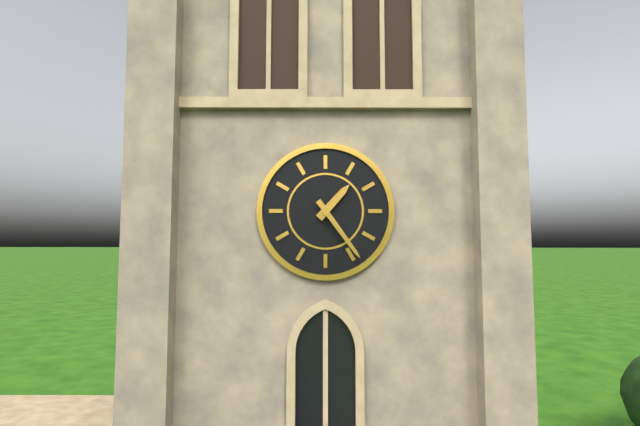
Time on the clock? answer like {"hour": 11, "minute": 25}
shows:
{"hour": 1, "minute": 24}
